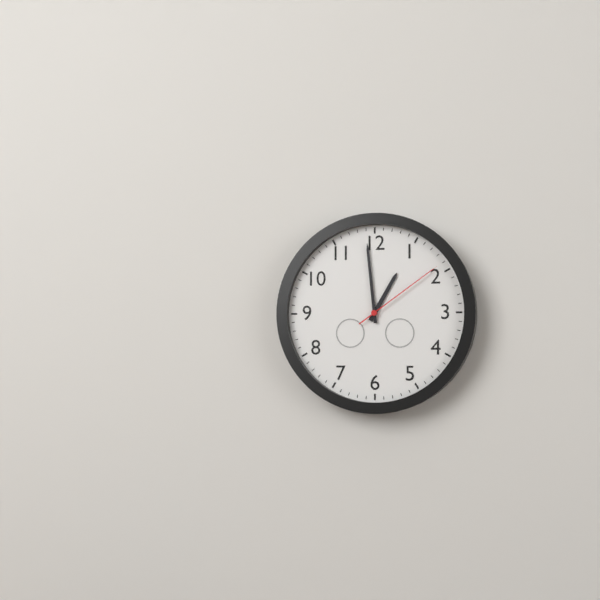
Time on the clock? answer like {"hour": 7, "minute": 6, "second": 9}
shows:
{"hour": 12, "minute": 59, "second": 9}
